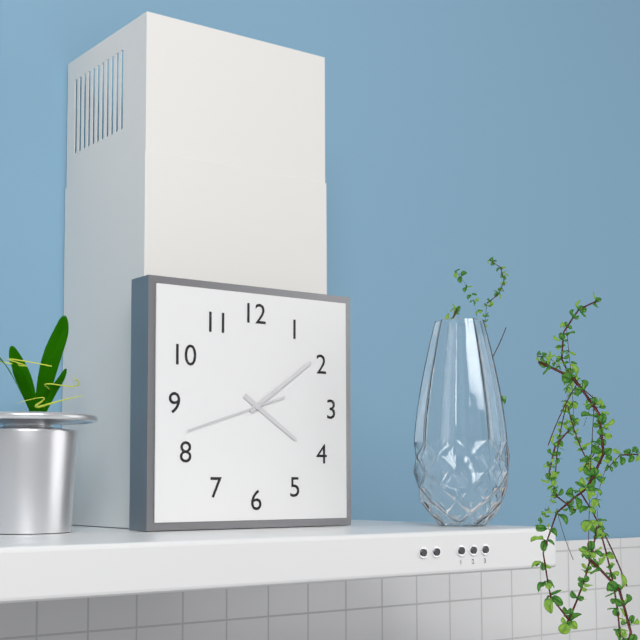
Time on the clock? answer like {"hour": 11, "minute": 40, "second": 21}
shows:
{"hour": 4, "minute": 9, "second": 42}
